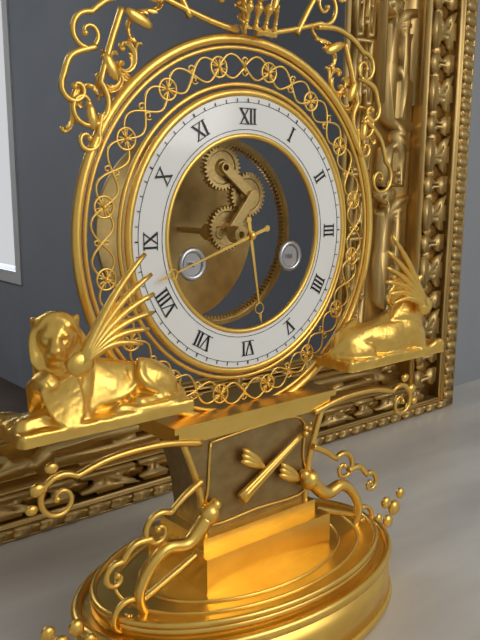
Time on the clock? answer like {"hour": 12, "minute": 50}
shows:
{"hour": 5, "minute": 42}
